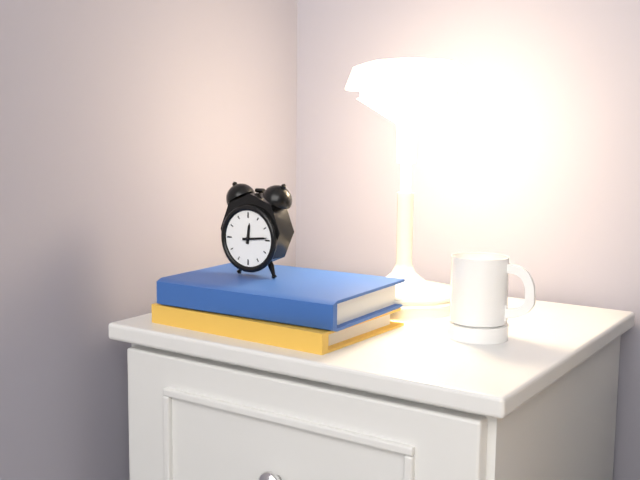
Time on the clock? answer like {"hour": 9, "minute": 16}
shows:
{"hour": 12, "minute": 14}
